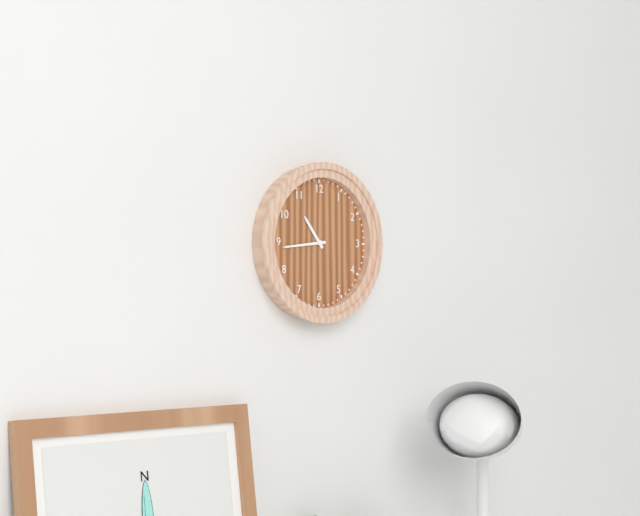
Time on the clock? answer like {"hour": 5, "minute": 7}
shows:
{"hour": 10, "minute": 44}
